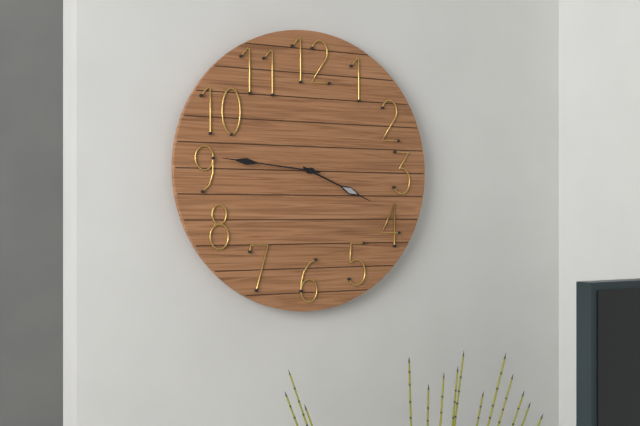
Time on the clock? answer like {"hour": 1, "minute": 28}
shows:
{"hour": 3, "minute": 46}
